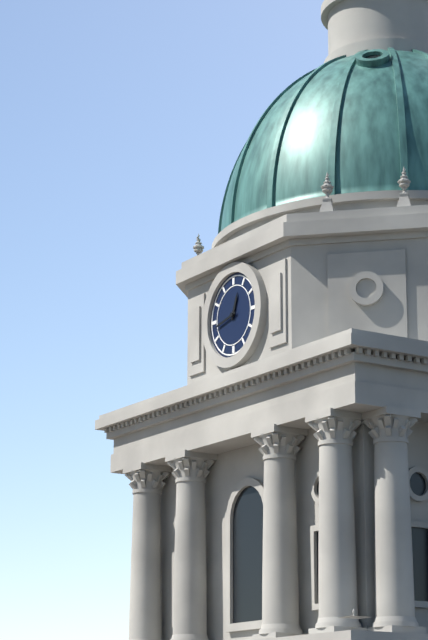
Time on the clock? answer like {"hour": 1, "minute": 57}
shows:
{"hour": 12, "minute": 43}
